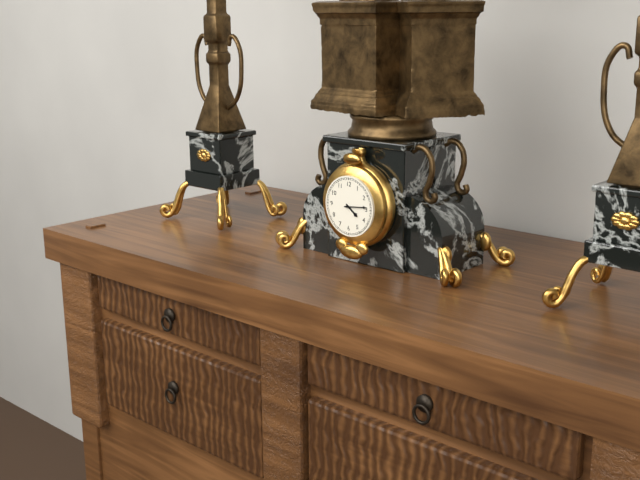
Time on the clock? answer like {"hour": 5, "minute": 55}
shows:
{"hour": 4, "minute": 14}
